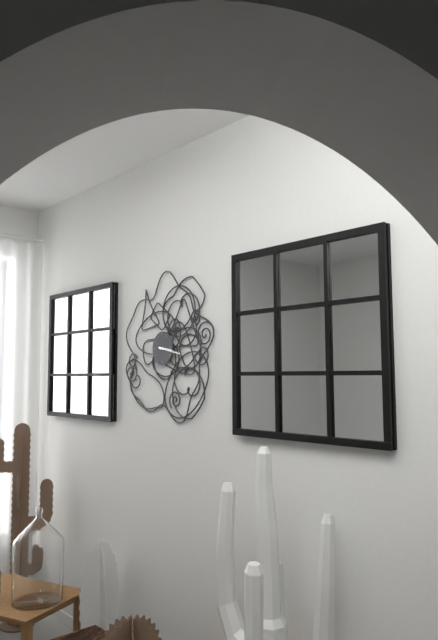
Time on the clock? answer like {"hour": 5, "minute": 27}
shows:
{"hour": 3, "minute": 17}
